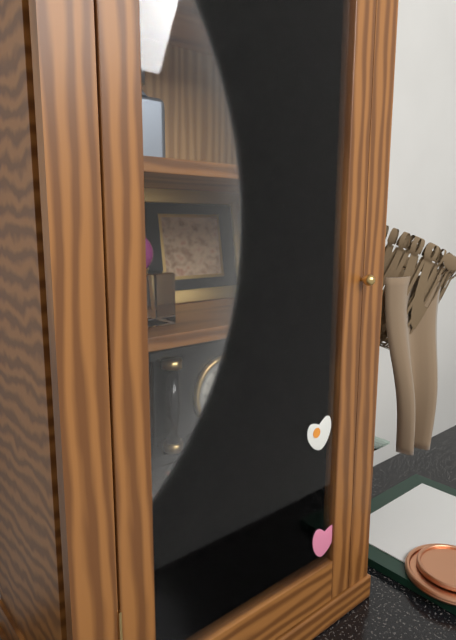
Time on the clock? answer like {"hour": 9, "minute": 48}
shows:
{"hour": 12, "minute": 0}
